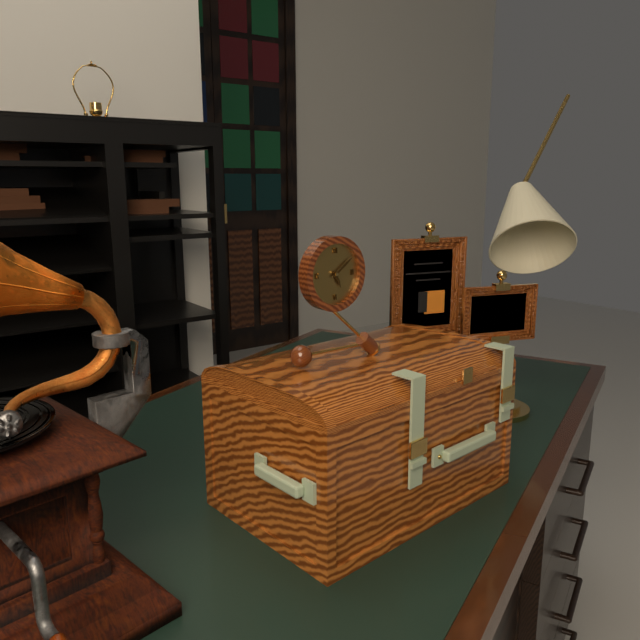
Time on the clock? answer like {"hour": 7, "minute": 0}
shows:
{"hour": 5, "minute": 9}
